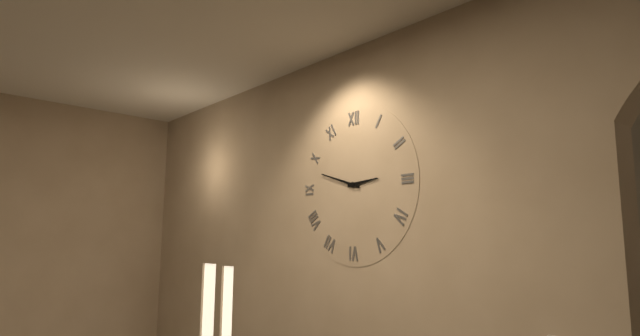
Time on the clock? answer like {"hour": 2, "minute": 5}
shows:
{"hour": 2, "minute": 48}
